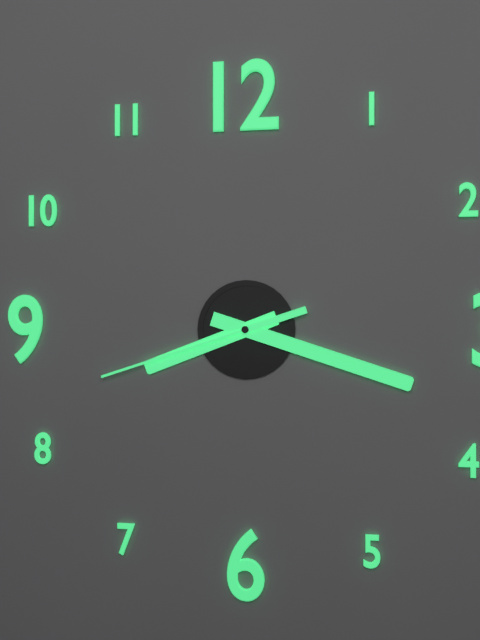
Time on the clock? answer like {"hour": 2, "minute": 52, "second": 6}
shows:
{"hour": 8, "minute": 18, "second": 42}
